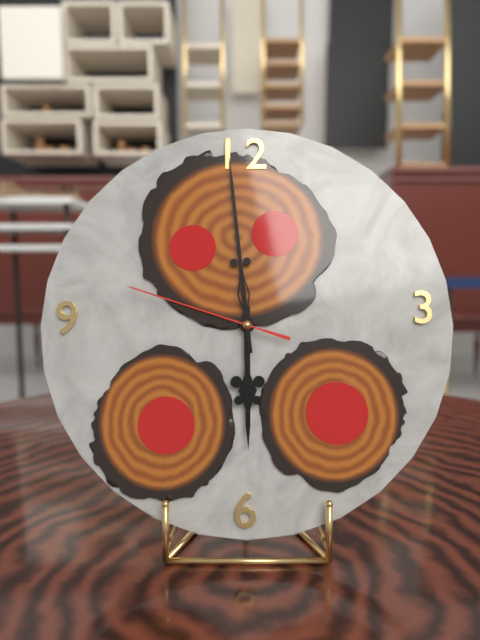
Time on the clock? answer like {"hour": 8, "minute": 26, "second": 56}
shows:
{"hour": 5, "minute": 59, "second": 48}
